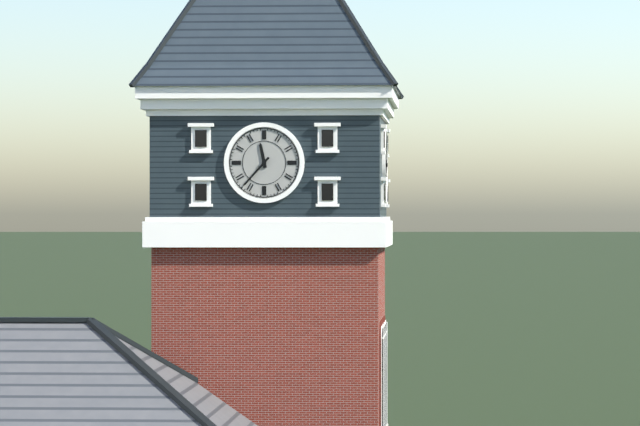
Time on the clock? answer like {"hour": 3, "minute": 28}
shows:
{"hour": 11, "minute": 37}
